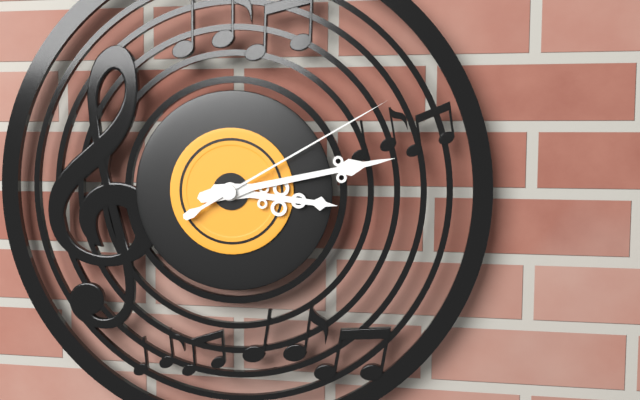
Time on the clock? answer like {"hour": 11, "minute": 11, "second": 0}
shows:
{"hour": 3, "minute": 13, "second": 10}
